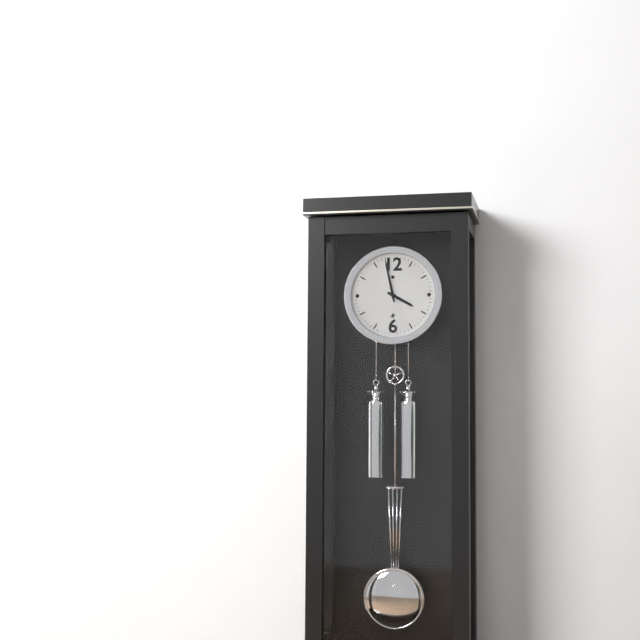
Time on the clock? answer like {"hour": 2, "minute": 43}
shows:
{"hour": 3, "minute": 58}
